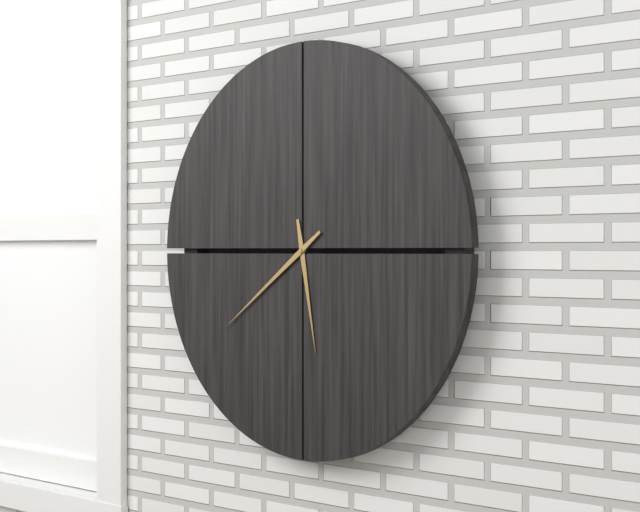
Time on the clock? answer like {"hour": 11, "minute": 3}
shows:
{"hour": 5, "minute": 39}
